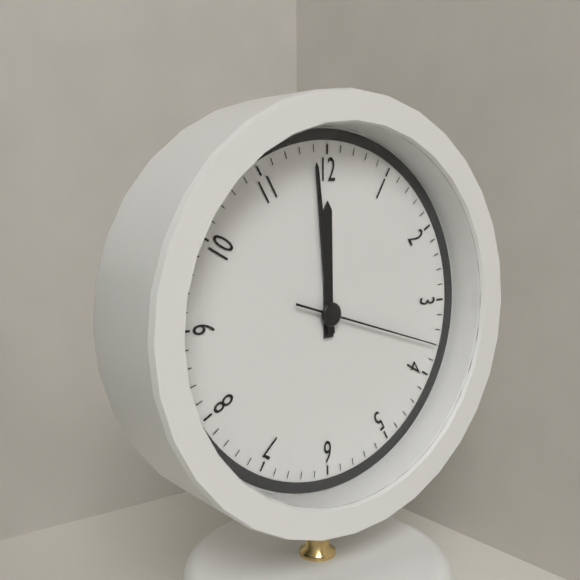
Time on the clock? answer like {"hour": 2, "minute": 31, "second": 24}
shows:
{"hour": 11, "minute": 59, "second": 18}
